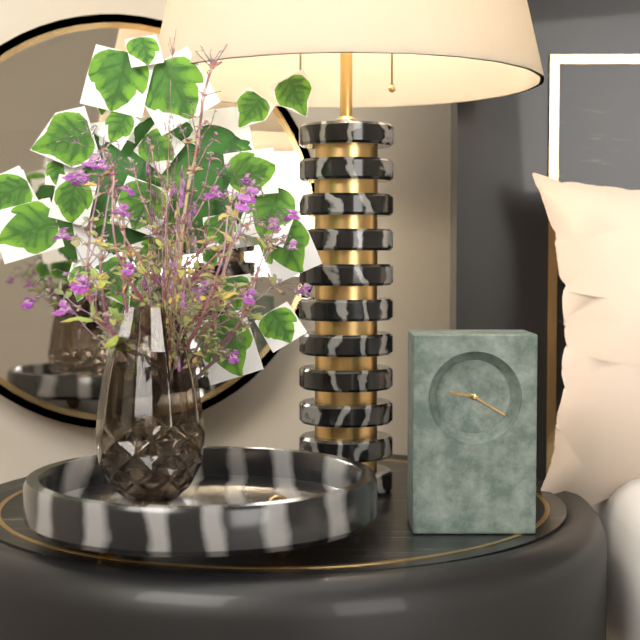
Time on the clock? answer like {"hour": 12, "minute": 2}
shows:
{"hour": 9, "minute": 20}
